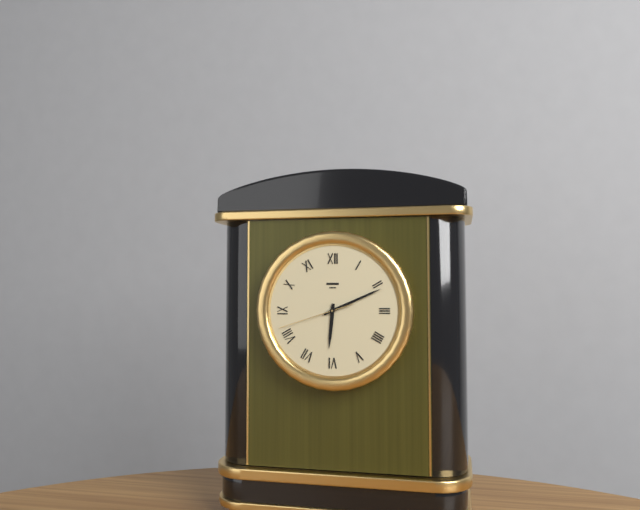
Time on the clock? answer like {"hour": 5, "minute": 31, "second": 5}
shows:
{"hour": 6, "minute": 11, "second": 42}
